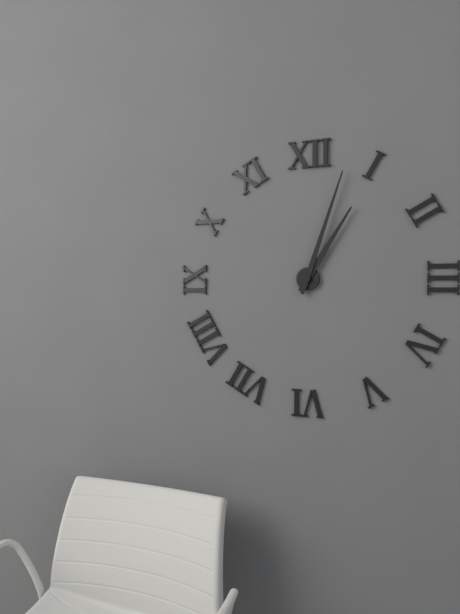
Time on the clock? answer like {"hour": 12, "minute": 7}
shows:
{"hour": 1, "minute": 3}
